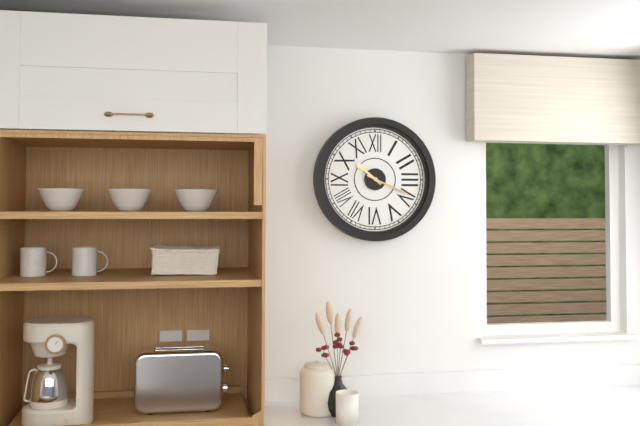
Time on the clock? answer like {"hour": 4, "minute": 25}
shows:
{"hour": 10, "minute": 19}
